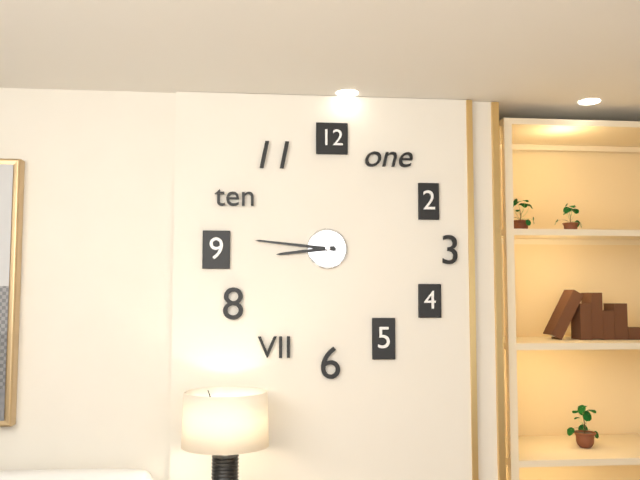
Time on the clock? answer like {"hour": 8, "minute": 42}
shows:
{"hour": 8, "minute": 46}
